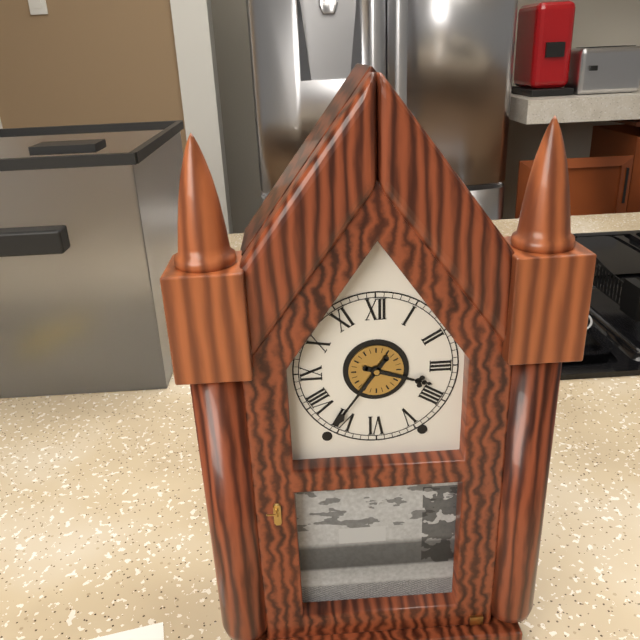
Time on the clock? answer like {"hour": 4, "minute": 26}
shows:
{"hour": 3, "minute": 36}
